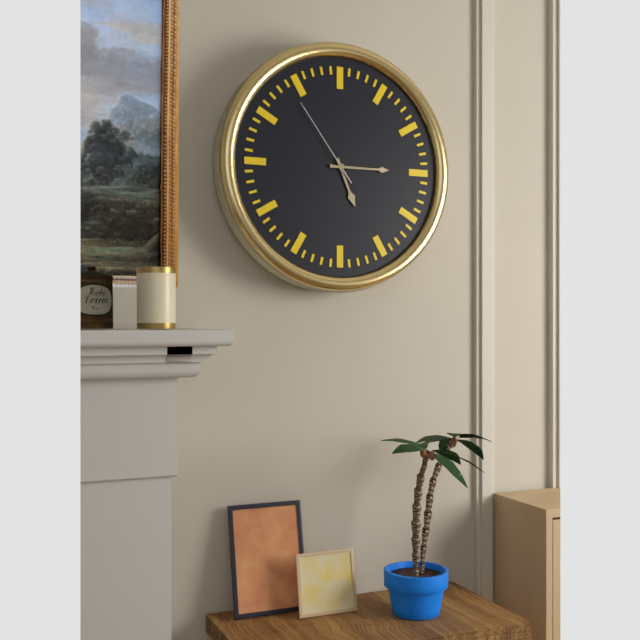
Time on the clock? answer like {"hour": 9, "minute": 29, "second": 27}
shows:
{"hour": 5, "minute": 15, "second": 54}
